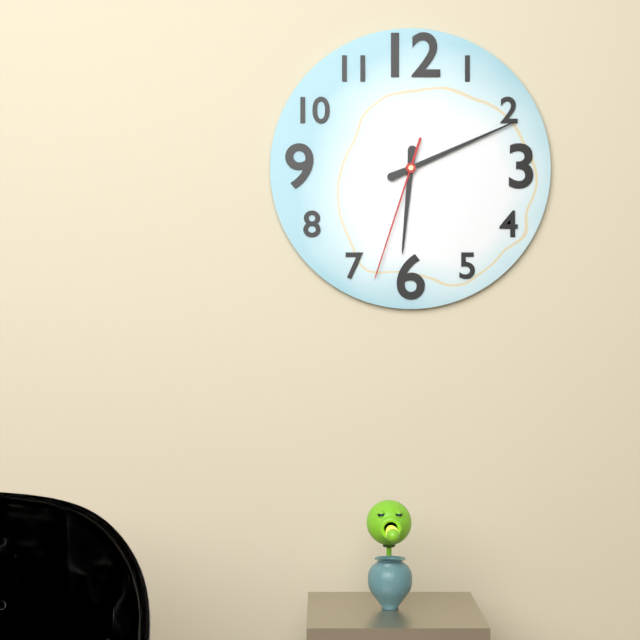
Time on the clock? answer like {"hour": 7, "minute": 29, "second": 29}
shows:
{"hour": 6, "minute": 11, "second": 33}
